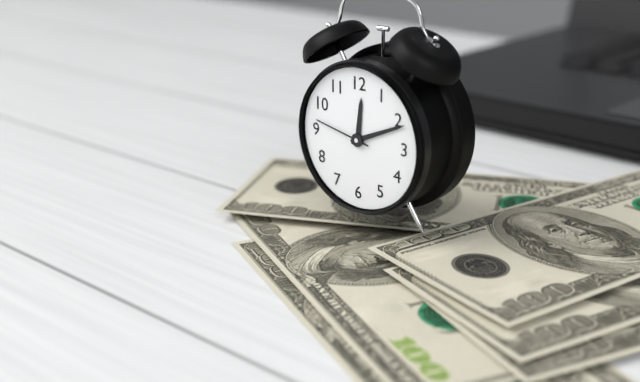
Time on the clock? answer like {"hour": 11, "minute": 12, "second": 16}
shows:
{"hour": 12, "minute": 11, "second": 47}
